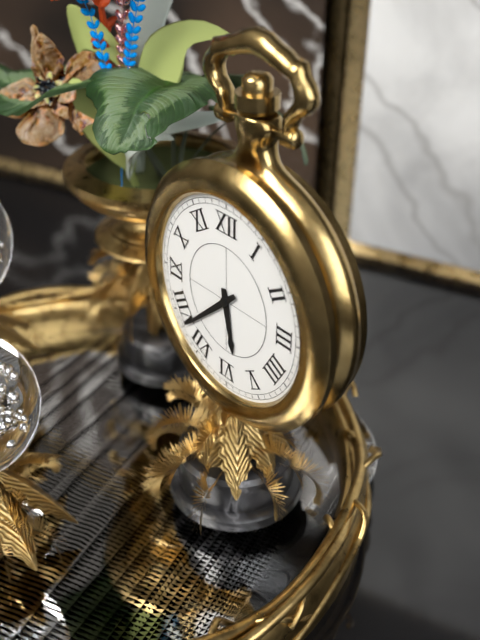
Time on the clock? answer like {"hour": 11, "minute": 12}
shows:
{"hour": 5, "minute": 38}
